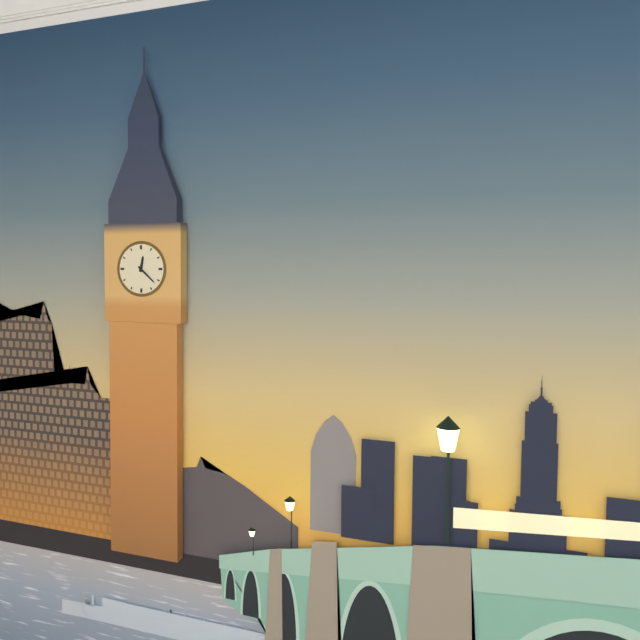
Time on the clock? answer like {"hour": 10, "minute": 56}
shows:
{"hour": 12, "minute": 22}
